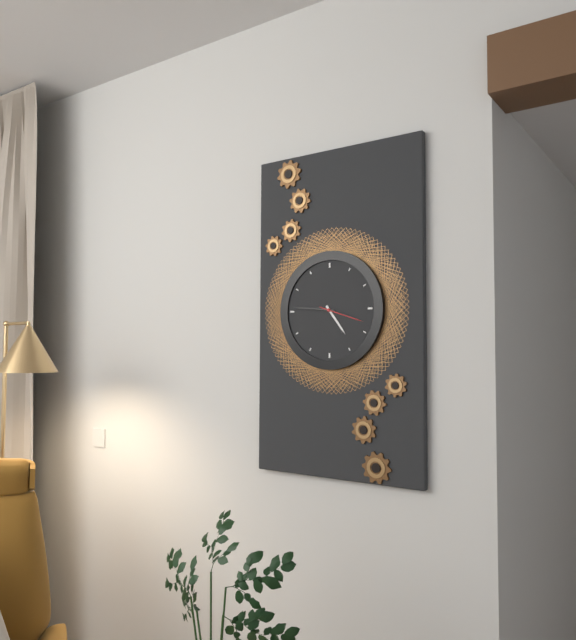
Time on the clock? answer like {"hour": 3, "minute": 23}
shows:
{"hour": 4, "minute": 46}
